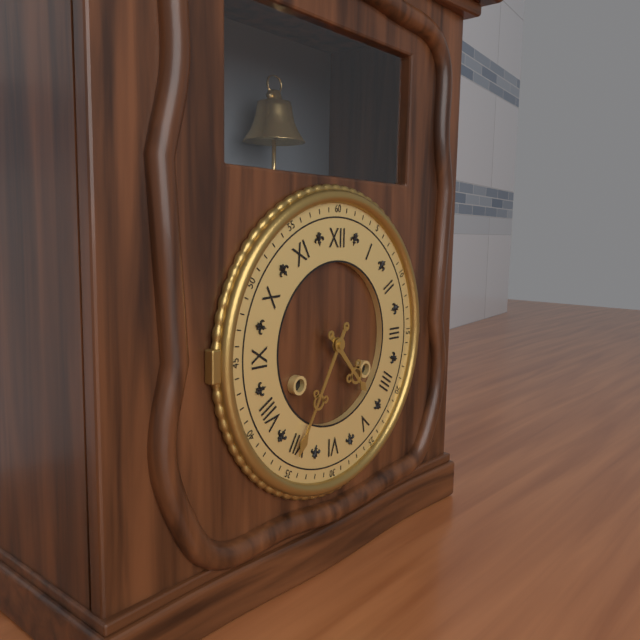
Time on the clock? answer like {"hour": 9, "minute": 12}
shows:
{"hour": 4, "minute": 35}
